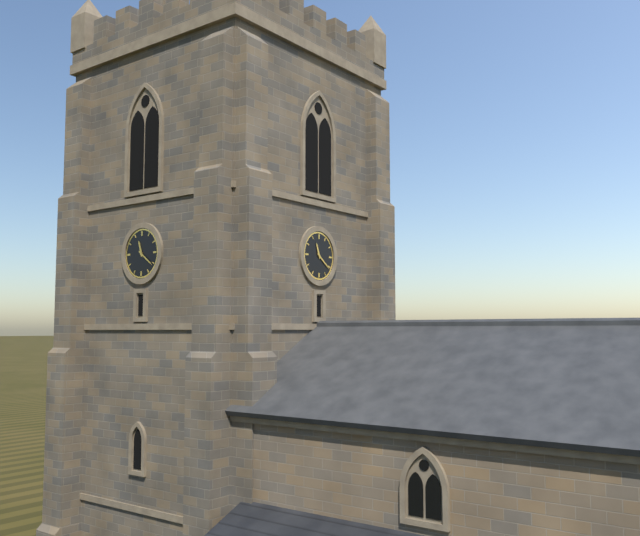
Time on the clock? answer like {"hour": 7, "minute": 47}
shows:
{"hour": 11, "minute": 21}
